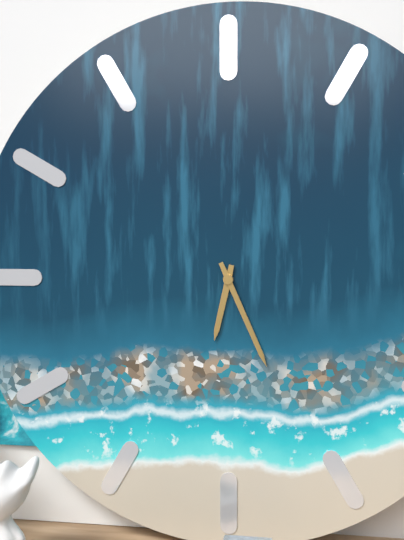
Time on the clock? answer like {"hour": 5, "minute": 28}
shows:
{"hour": 6, "minute": 26}
